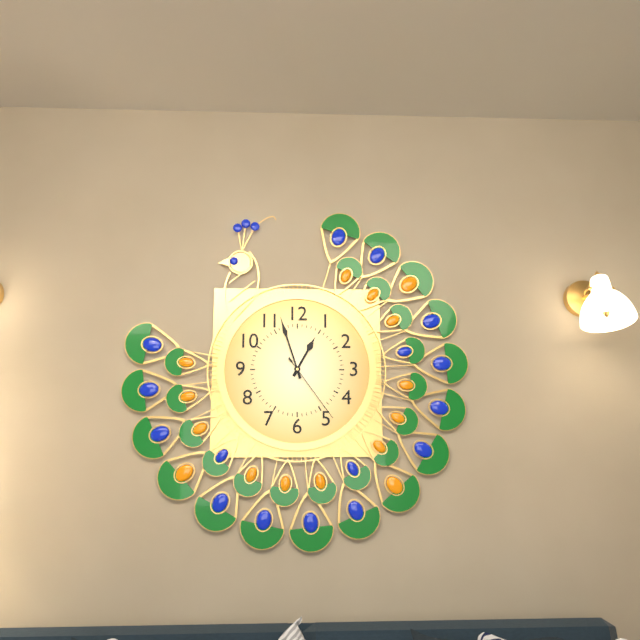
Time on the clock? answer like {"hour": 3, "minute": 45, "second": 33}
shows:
{"hour": 12, "minute": 57, "second": 24}
